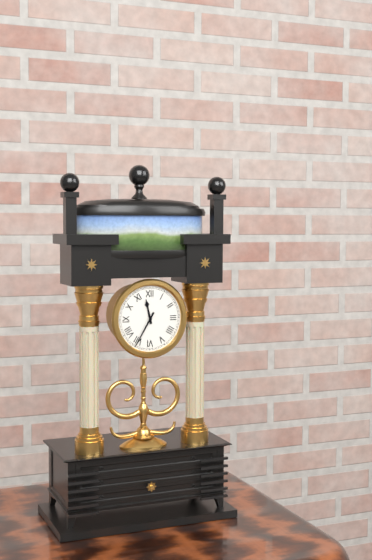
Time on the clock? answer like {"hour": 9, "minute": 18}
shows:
{"hour": 11, "minute": 35}
